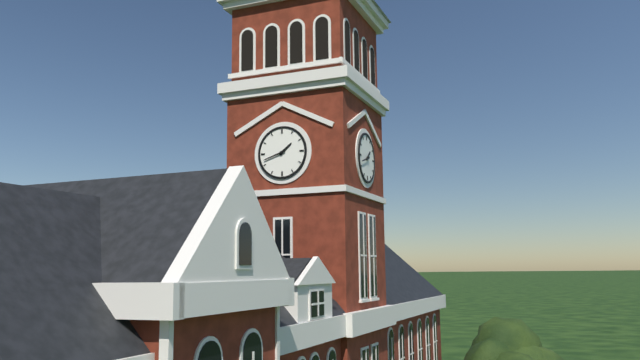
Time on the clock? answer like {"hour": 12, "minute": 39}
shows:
{"hour": 1, "minute": 42}
